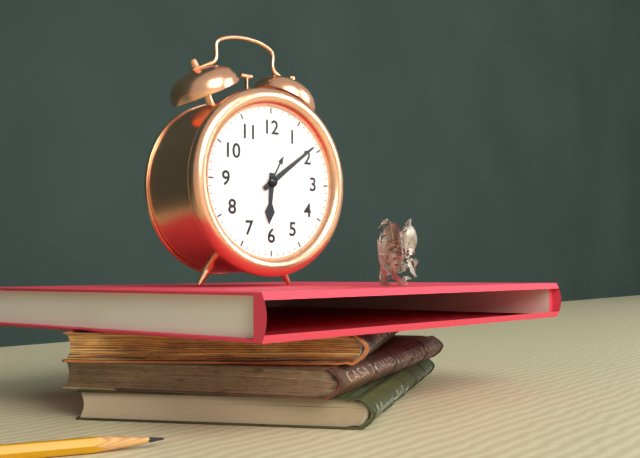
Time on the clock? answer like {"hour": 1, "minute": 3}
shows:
{"hour": 6, "minute": 9}
